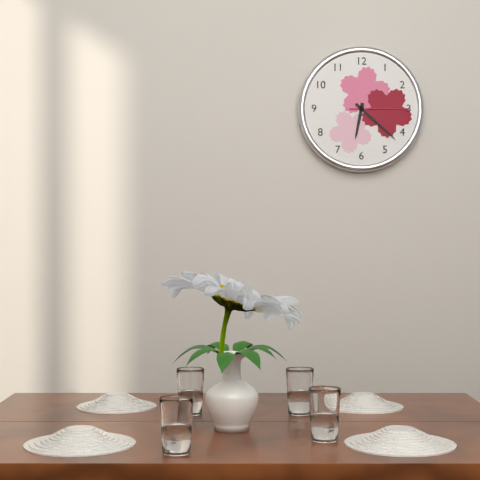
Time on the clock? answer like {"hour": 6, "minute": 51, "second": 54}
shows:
{"hour": 6, "minute": 22, "second": 15}
